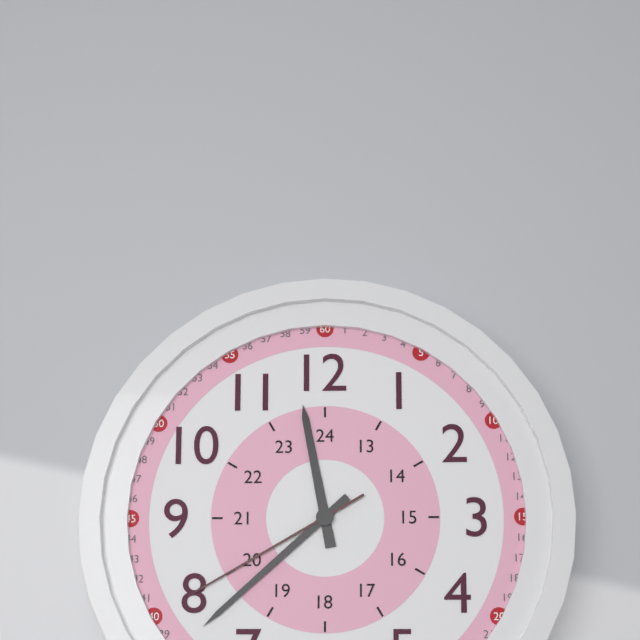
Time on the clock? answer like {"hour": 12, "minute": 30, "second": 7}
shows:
{"hour": 11, "minute": 38, "second": 40}
